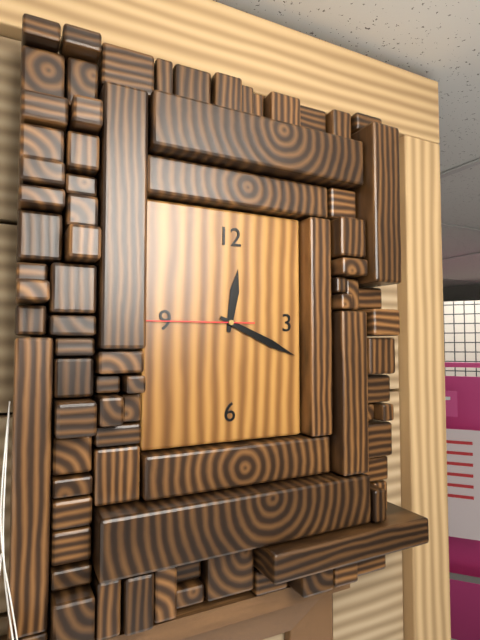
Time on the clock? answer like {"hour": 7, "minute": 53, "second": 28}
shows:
{"hour": 12, "minute": 19, "second": 45}
